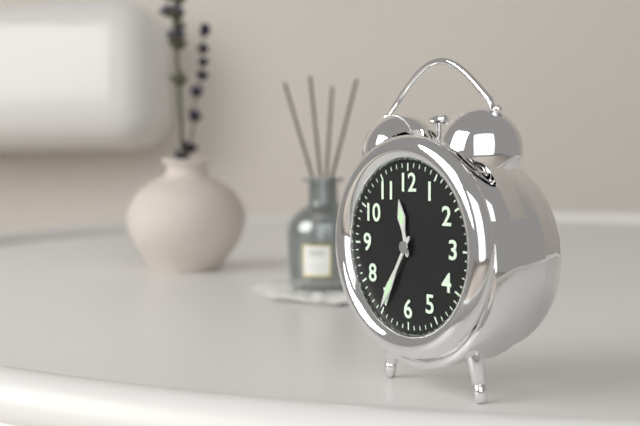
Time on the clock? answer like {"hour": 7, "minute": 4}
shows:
{"hour": 11, "minute": 35}
